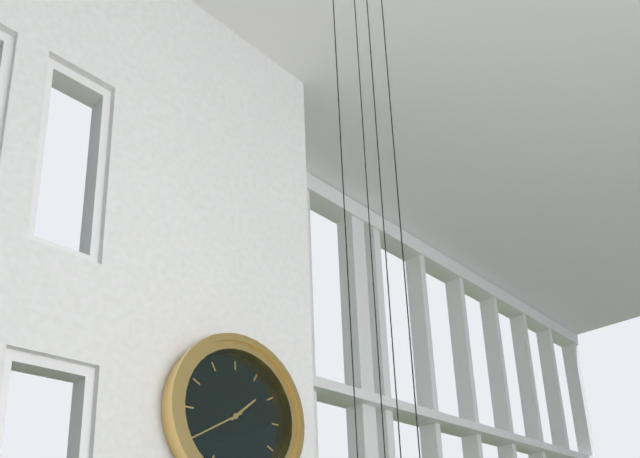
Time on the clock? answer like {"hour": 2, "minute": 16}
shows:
{"hour": 1, "minute": 40}
